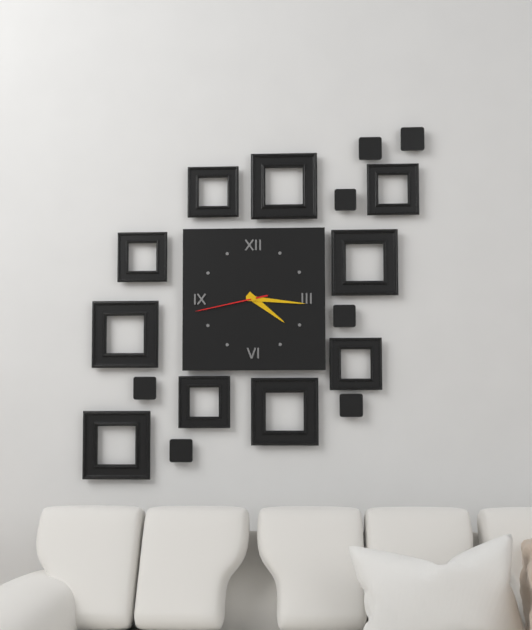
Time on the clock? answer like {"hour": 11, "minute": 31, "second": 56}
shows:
{"hour": 4, "minute": 16, "second": 43}
